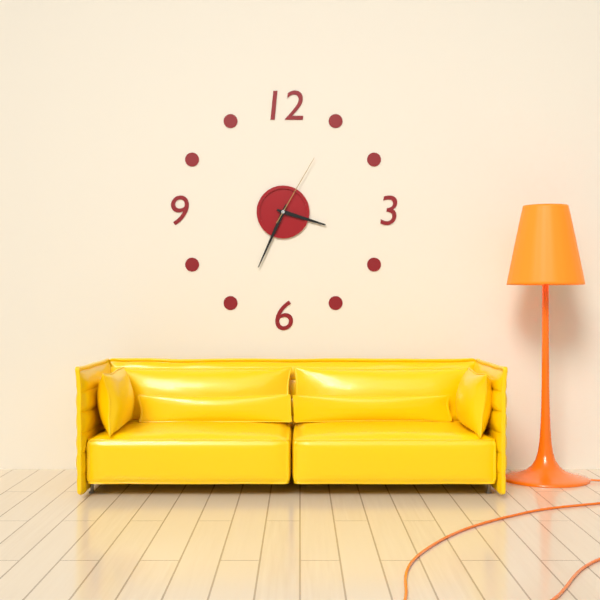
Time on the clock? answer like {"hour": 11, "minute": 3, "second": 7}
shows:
{"hour": 3, "minute": 34, "second": 5}
